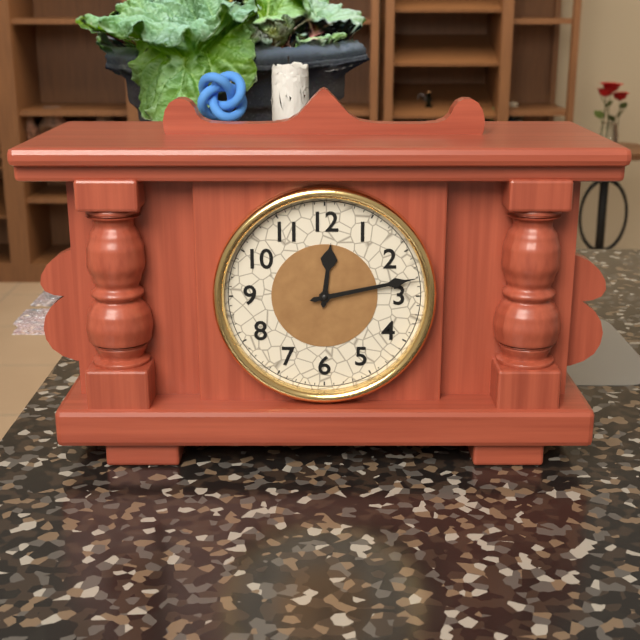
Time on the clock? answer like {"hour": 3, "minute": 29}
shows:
{"hour": 12, "minute": 13}
